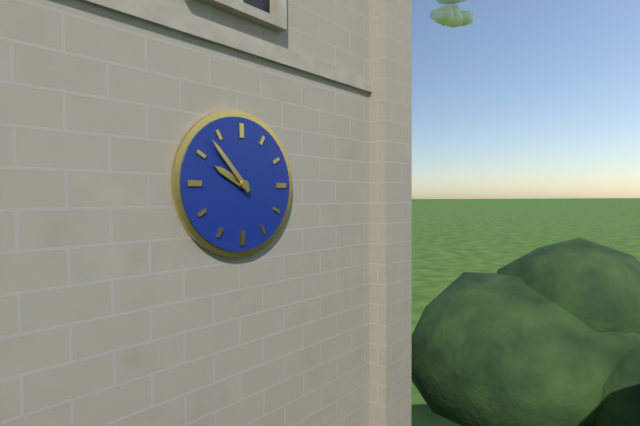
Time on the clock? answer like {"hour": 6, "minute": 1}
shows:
{"hour": 9, "minute": 53}
